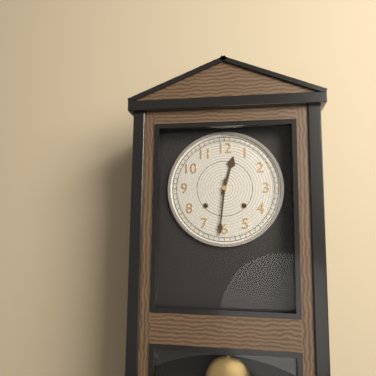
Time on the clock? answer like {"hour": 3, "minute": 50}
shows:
{"hour": 12, "minute": 31}
